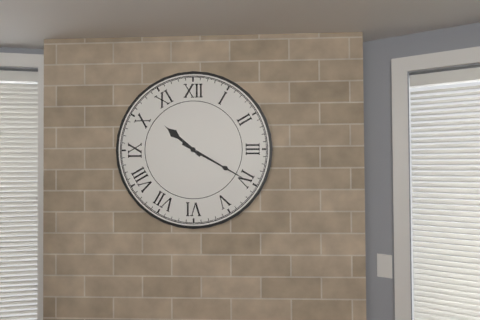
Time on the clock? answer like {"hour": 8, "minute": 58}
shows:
{"hour": 10, "minute": 20}
